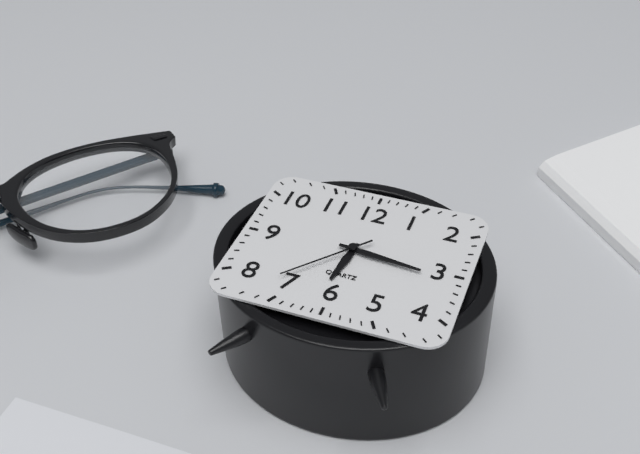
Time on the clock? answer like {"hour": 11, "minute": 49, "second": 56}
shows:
{"hour": 6, "minute": 16, "second": 37}
